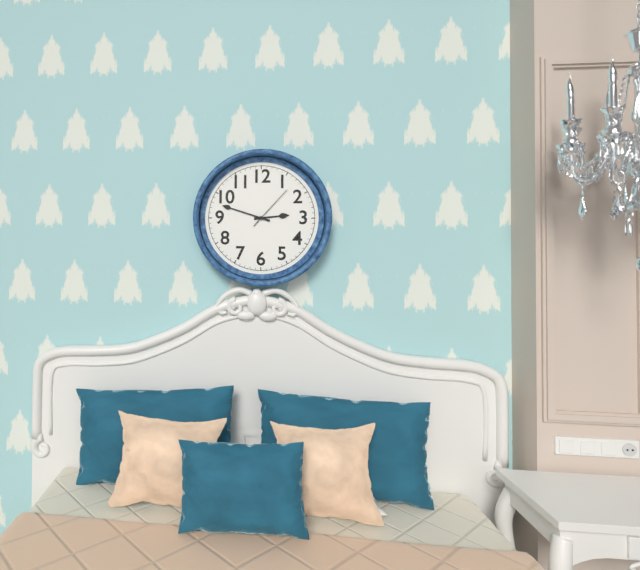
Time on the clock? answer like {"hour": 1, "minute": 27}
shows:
{"hour": 2, "minute": 48}
